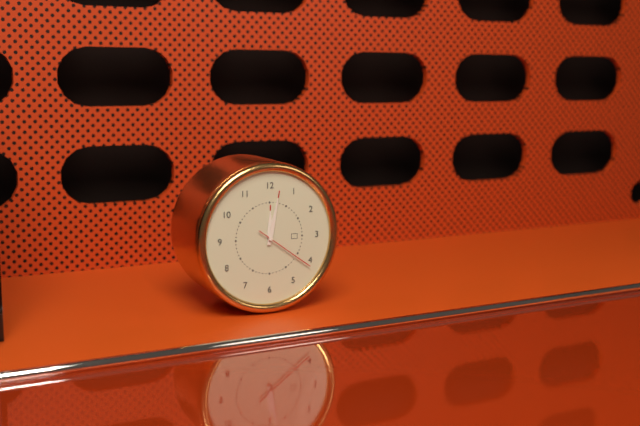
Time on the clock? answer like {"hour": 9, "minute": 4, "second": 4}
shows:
{"hour": 12, "minute": 2, "second": 21}
